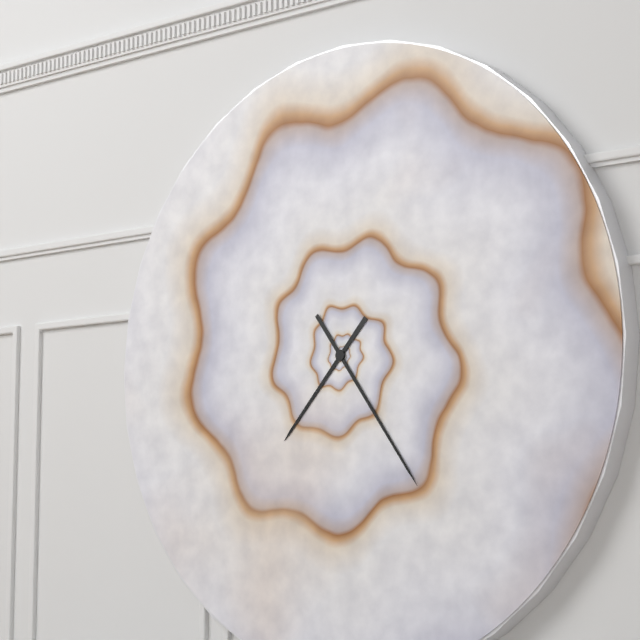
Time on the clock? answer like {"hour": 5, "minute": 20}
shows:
{"hour": 7, "minute": 24}
